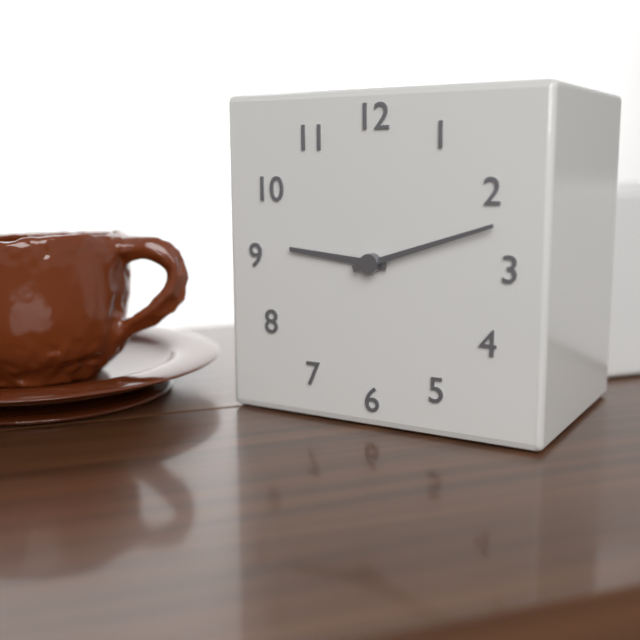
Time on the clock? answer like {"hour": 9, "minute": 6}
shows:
{"hour": 9, "minute": 12}
